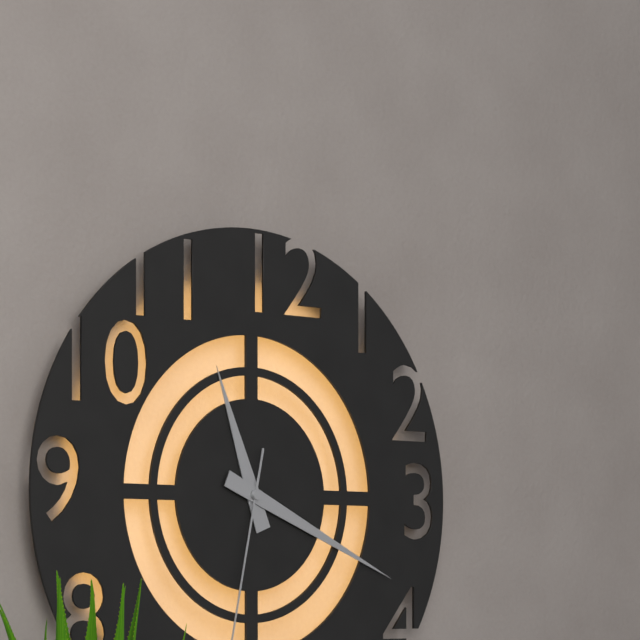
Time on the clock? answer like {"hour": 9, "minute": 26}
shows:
{"hour": 11, "minute": 19}
